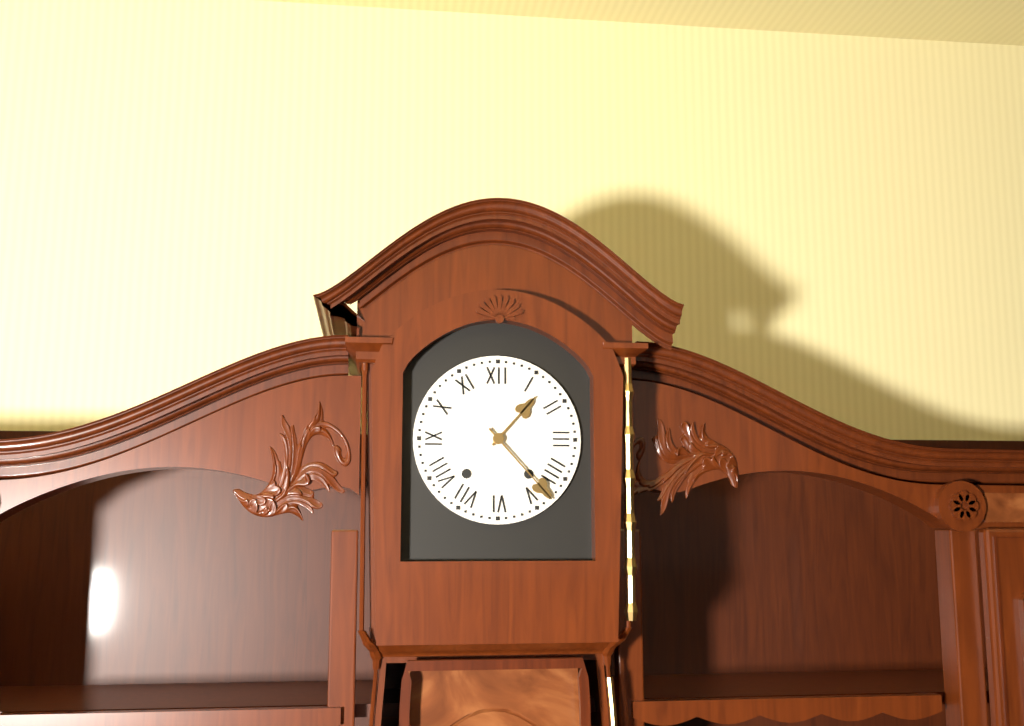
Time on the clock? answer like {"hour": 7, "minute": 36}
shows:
{"hour": 1, "minute": 23}
